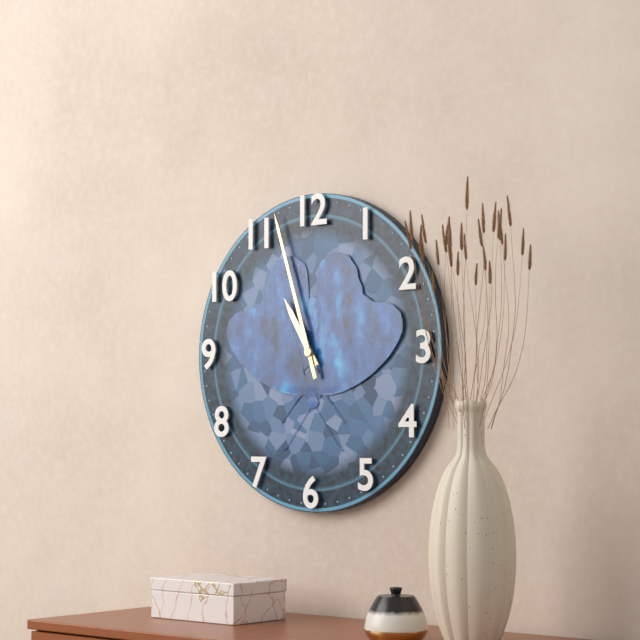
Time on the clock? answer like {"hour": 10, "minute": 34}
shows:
{"hour": 10, "minute": 57}
